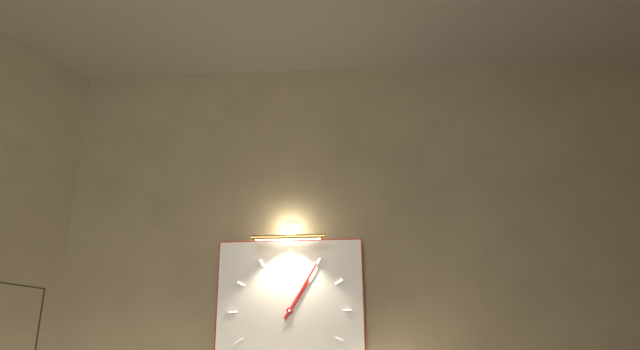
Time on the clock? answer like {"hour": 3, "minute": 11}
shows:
{"hour": 1, "minute": 5}
